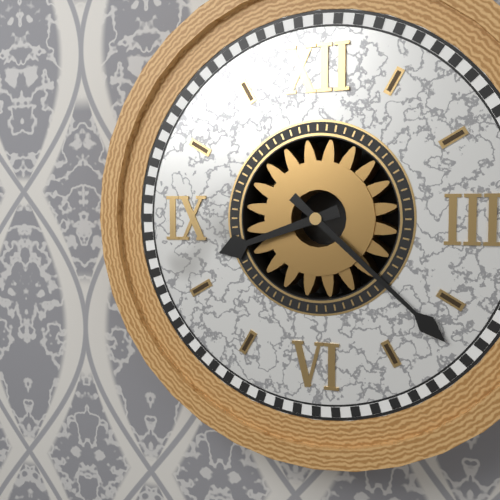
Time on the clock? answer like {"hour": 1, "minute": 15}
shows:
{"hour": 8, "minute": 22}
